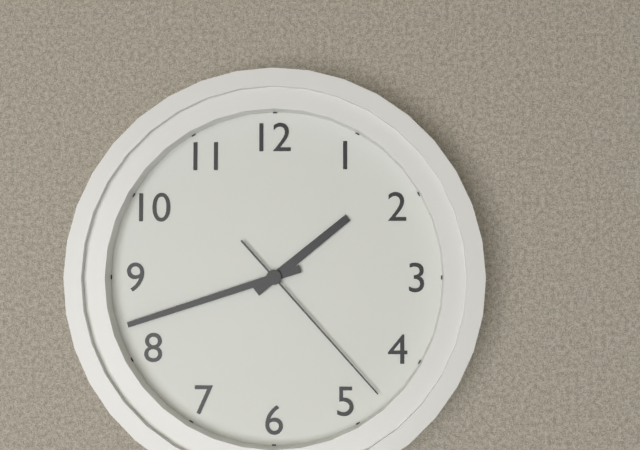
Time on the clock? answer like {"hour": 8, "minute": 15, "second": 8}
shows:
{"hour": 1, "minute": 42, "second": 23}
